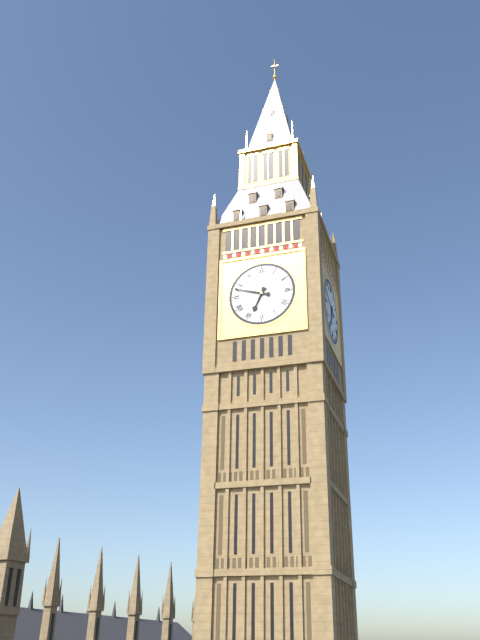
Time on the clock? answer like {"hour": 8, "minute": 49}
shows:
{"hour": 6, "minute": 48}
